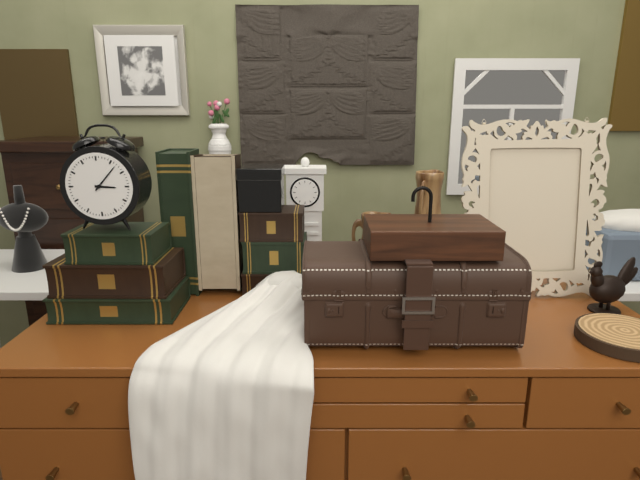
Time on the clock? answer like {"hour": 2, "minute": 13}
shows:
{"hour": 3, "minute": 7}
